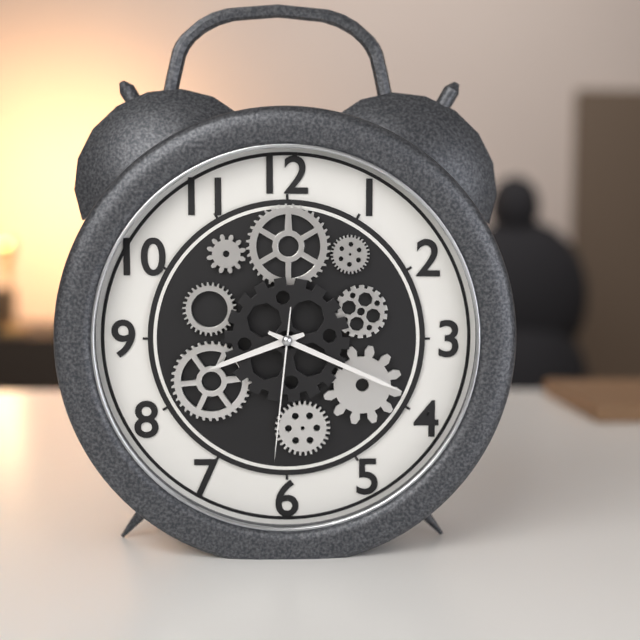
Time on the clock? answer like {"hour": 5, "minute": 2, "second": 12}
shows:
{"hour": 8, "minute": 19, "second": 31}
